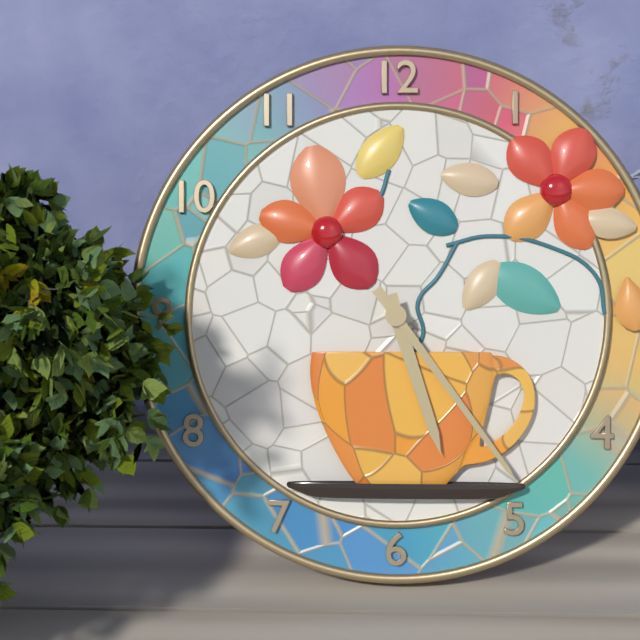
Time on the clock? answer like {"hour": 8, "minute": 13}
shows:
{"hour": 5, "minute": 24}
